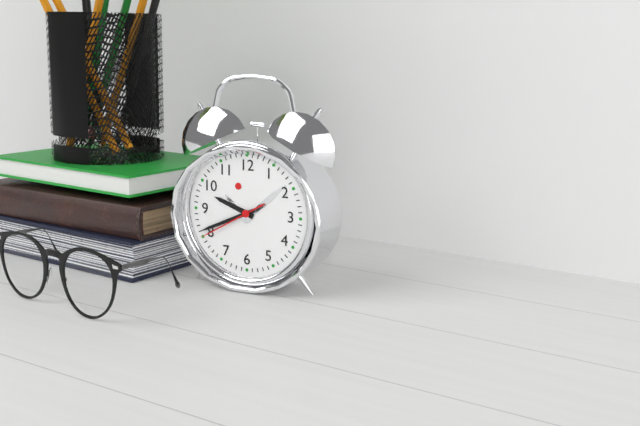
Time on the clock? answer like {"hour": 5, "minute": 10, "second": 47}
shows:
{"hour": 9, "minute": 41, "second": 40}
